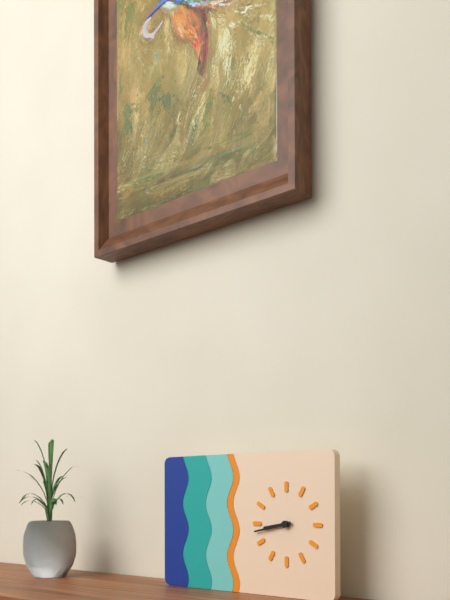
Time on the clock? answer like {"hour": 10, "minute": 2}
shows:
{"hour": 8, "minute": 43}
